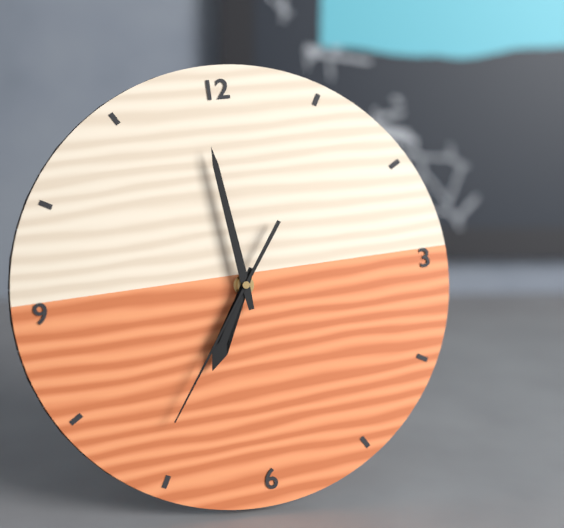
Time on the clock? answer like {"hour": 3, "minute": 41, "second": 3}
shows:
{"hour": 6, "minute": 59, "second": 36}
